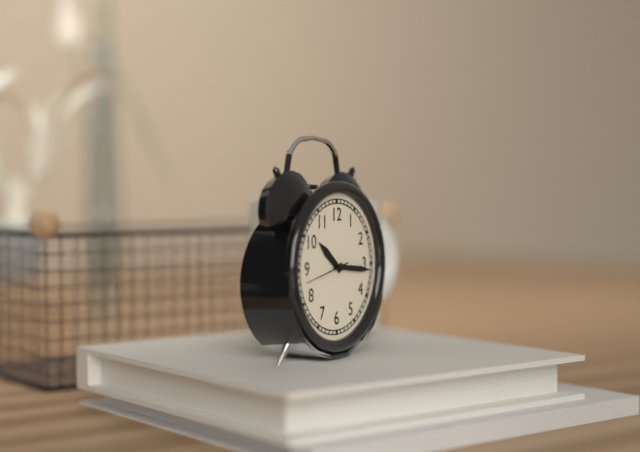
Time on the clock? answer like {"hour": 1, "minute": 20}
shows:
{"hour": 10, "minute": 16}
